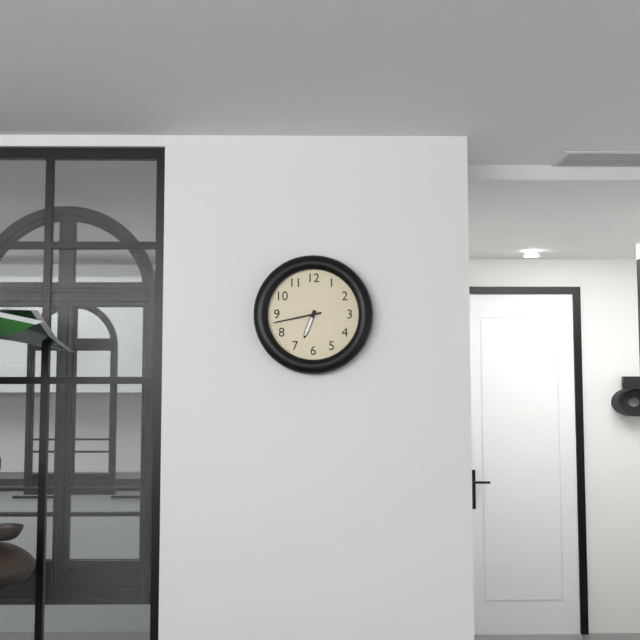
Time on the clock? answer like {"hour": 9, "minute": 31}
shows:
{"hour": 6, "minute": 43}
